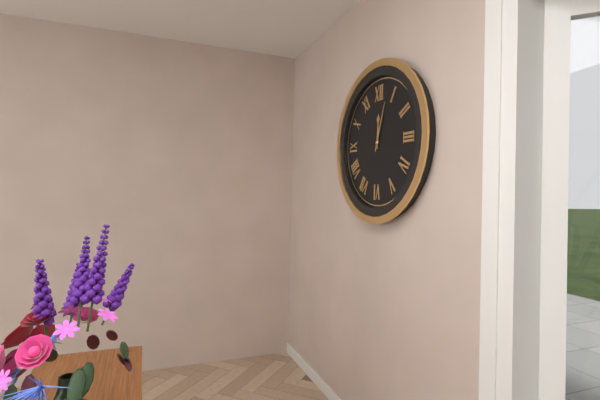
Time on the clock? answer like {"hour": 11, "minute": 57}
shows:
{"hour": 12, "minute": 3}
